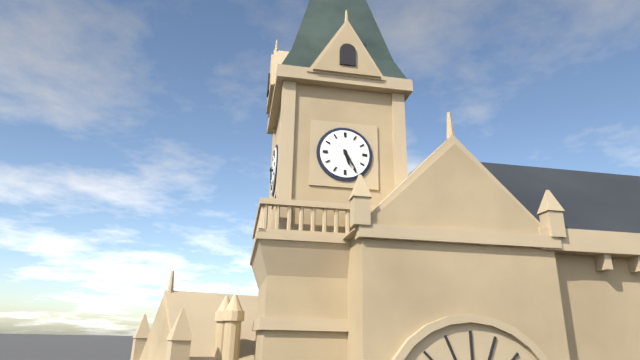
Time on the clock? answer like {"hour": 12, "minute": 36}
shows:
{"hour": 5, "minute": 25}
